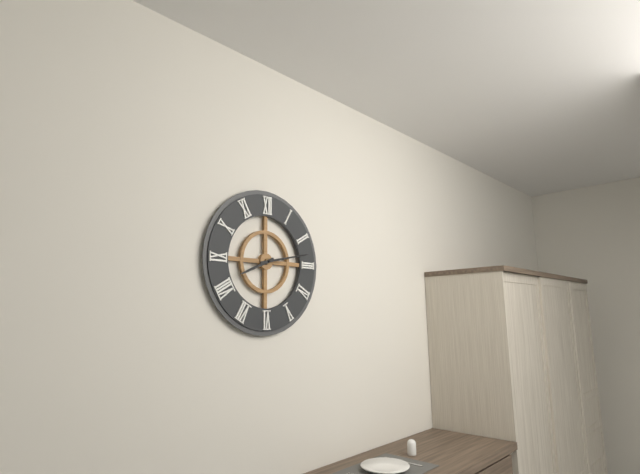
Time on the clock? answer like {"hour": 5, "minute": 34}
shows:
{"hour": 8, "minute": 13}
